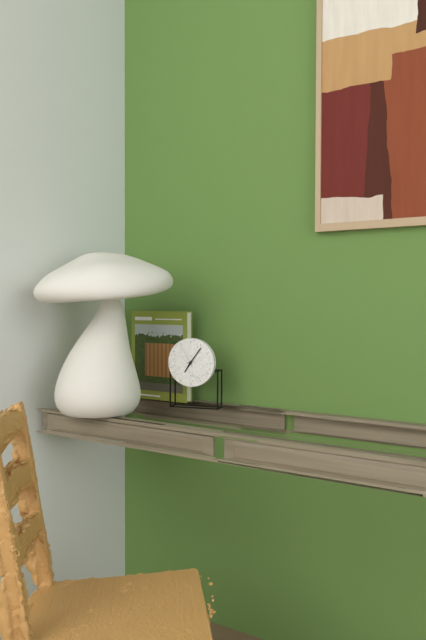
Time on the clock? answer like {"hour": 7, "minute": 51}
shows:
{"hour": 7, "minute": 6}
